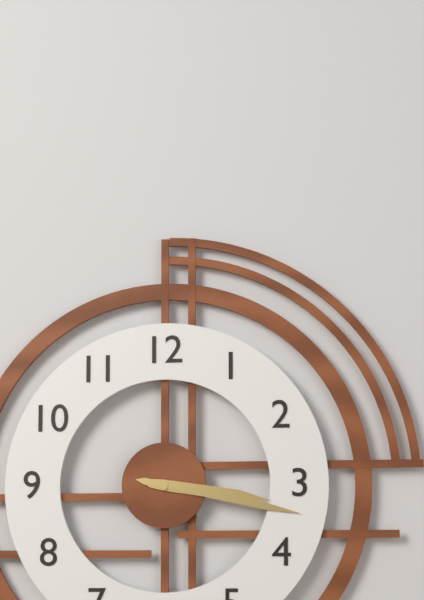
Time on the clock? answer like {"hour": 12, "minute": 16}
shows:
{"hour": 3, "minute": 17}
